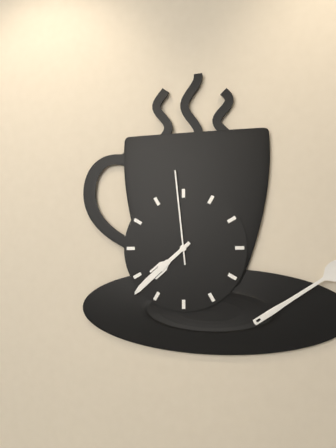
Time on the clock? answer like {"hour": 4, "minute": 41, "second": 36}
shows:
{"hour": 7, "minute": 38, "second": 59}
